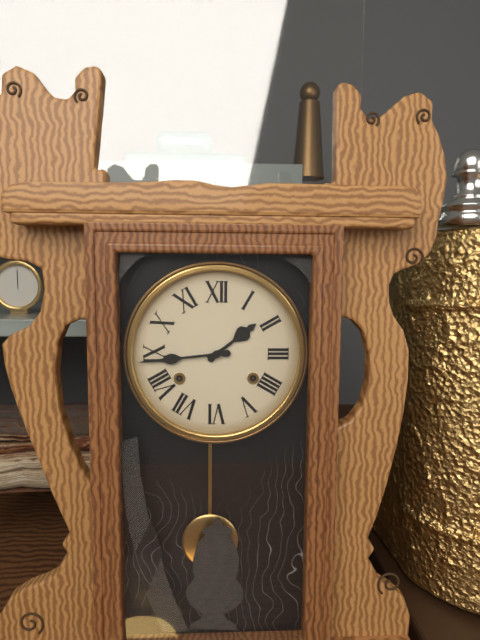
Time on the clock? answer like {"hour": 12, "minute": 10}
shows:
{"hour": 1, "minute": 44}
